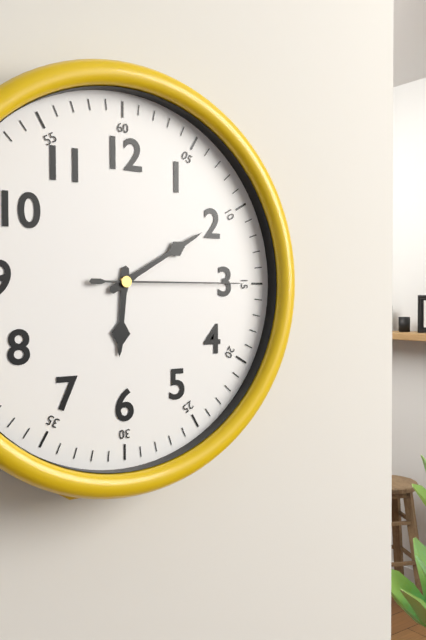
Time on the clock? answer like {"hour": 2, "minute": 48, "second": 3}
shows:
{"hour": 6, "minute": 10, "second": 15}
